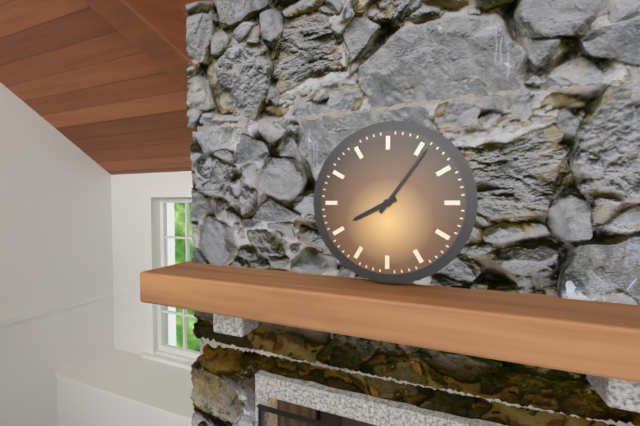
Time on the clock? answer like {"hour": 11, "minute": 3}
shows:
{"hour": 8, "minute": 6}
